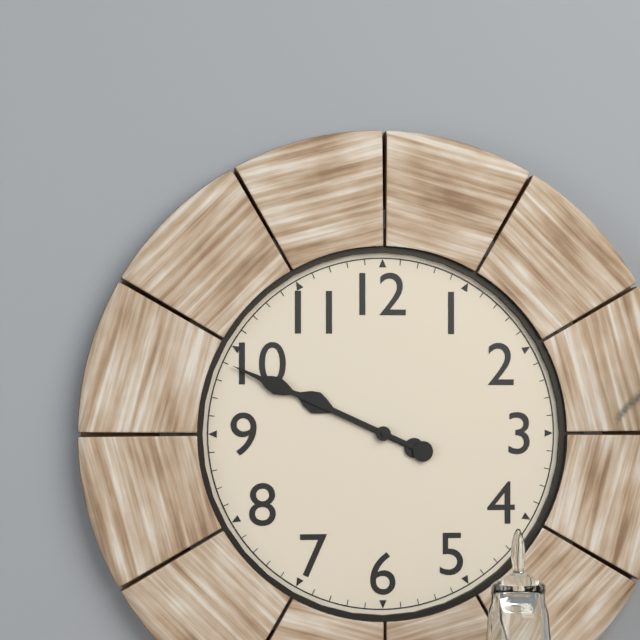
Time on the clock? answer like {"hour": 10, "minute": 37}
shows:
{"hour": 9, "minute": 49}
